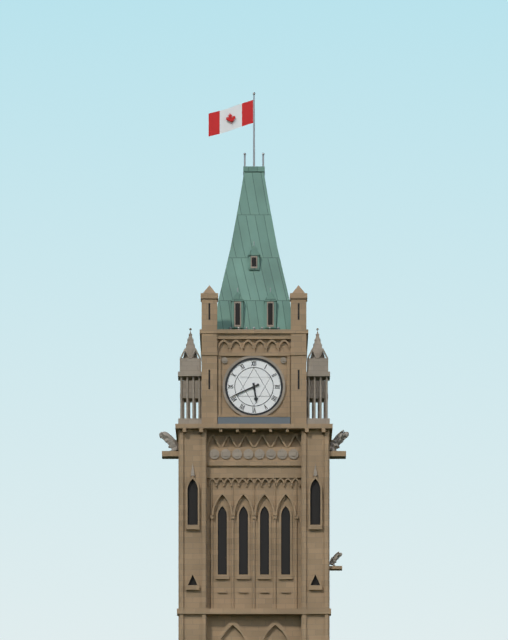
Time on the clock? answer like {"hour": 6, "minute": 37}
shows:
{"hour": 5, "minute": 41}
